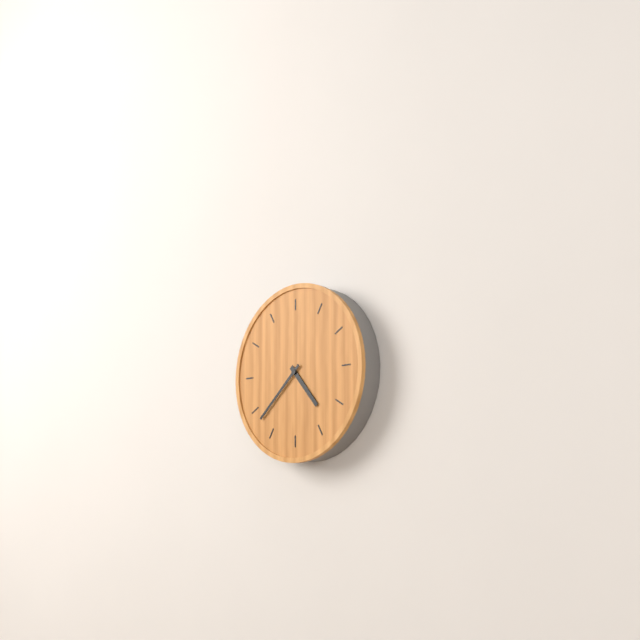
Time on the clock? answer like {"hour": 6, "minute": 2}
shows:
{"hour": 4, "minute": 38}
